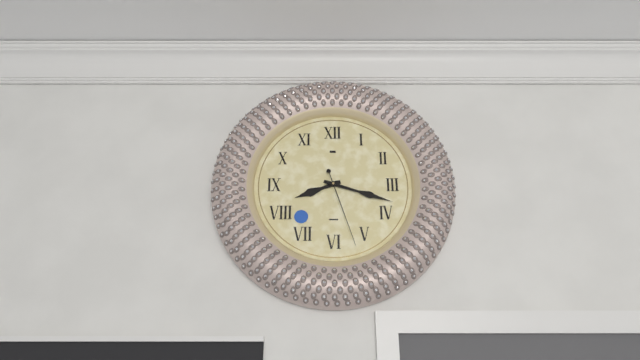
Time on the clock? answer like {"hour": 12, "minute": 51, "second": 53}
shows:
{"hour": 8, "minute": 18, "second": 27}
